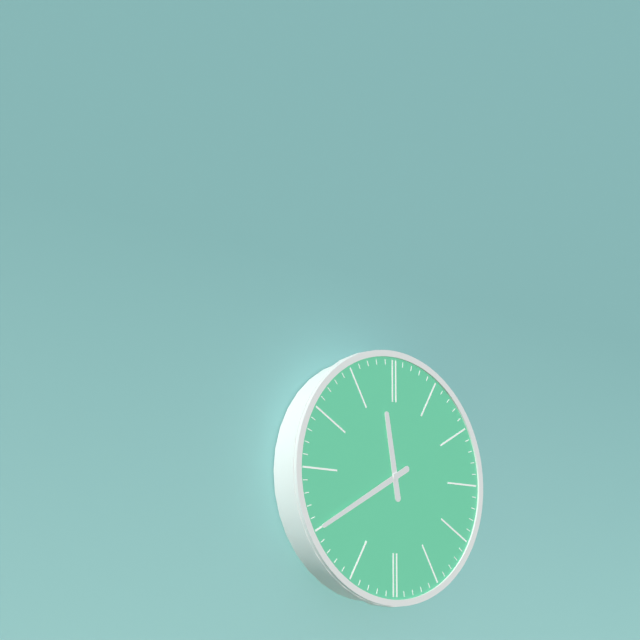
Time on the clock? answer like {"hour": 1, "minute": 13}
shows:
{"hour": 11, "minute": 40}
